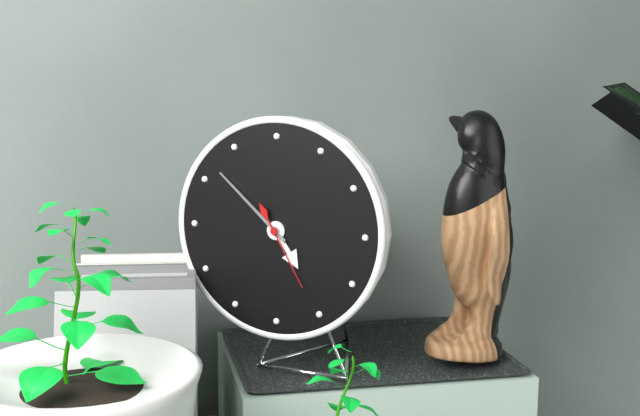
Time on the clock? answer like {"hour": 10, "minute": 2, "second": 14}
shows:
{"hour": 4, "minute": 52, "second": 25}
